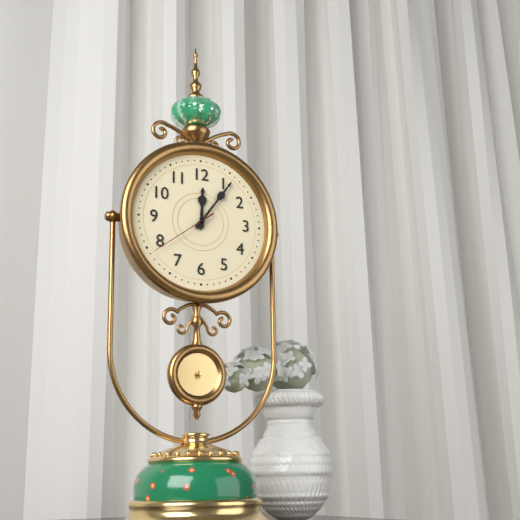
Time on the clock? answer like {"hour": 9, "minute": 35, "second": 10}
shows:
{"hour": 12, "minute": 6, "second": 39}
